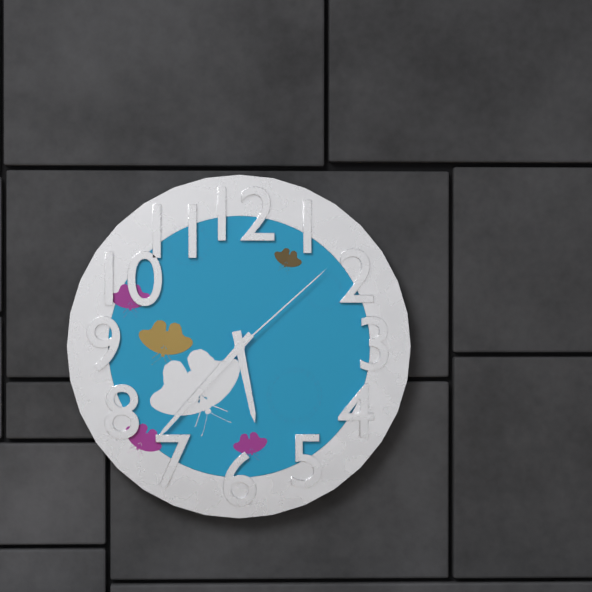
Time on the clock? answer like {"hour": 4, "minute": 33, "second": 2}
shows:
{"hour": 5, "minute": 37, "second": 8}
